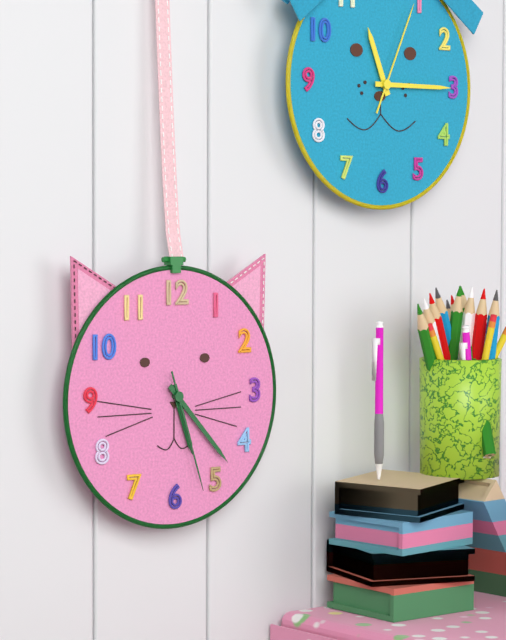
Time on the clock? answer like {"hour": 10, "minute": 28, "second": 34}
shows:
{"hour": 5, "minute": 23, "second": 27}
